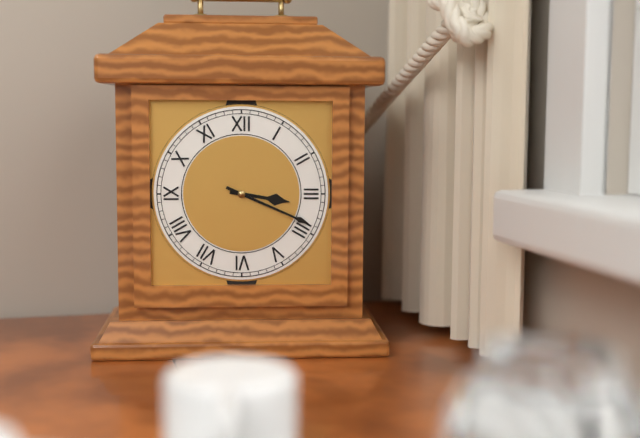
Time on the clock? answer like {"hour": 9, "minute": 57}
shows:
{"hour": 3, "minute": 19}
